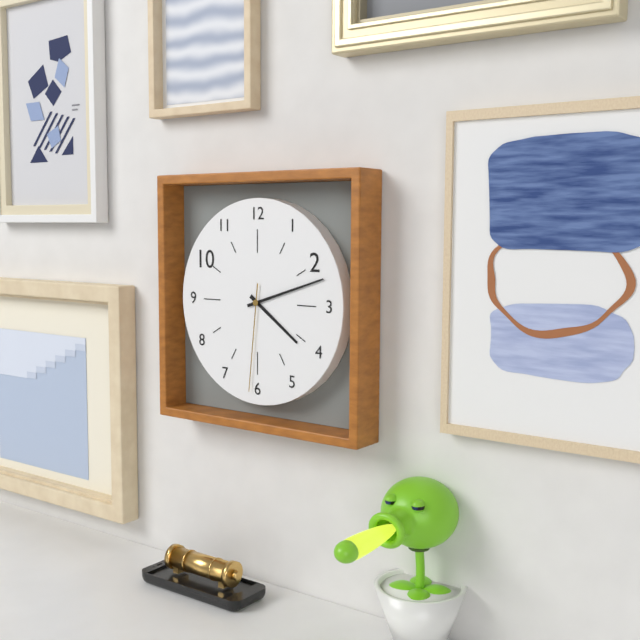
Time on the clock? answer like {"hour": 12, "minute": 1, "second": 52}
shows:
{"hour": 4, "minute": 12, "second": 31}
